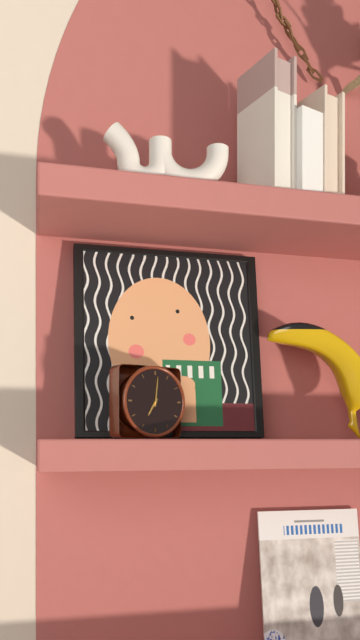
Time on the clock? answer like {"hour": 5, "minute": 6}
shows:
{"hour": 7, "minute": 1}
